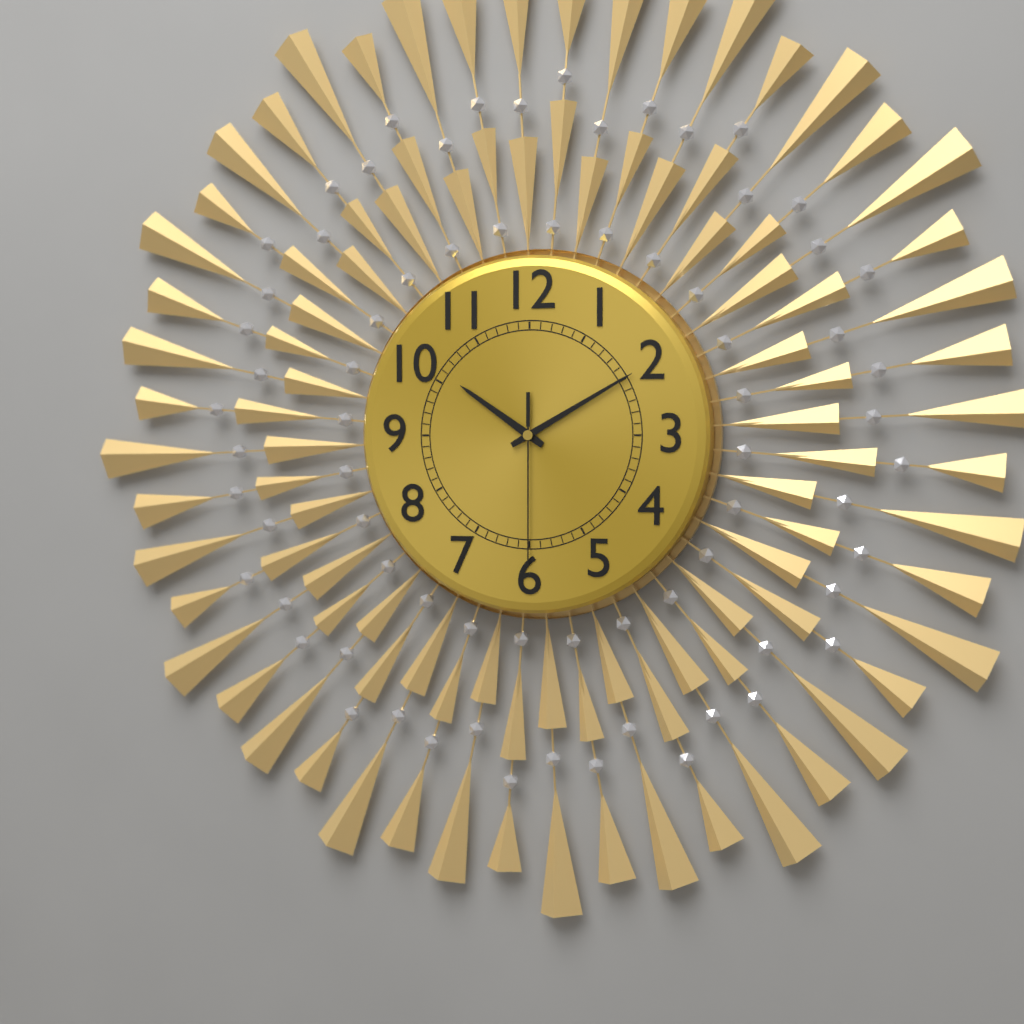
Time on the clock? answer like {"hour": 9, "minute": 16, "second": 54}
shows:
{"hour": 10, "minute": 10, "second": 30}
